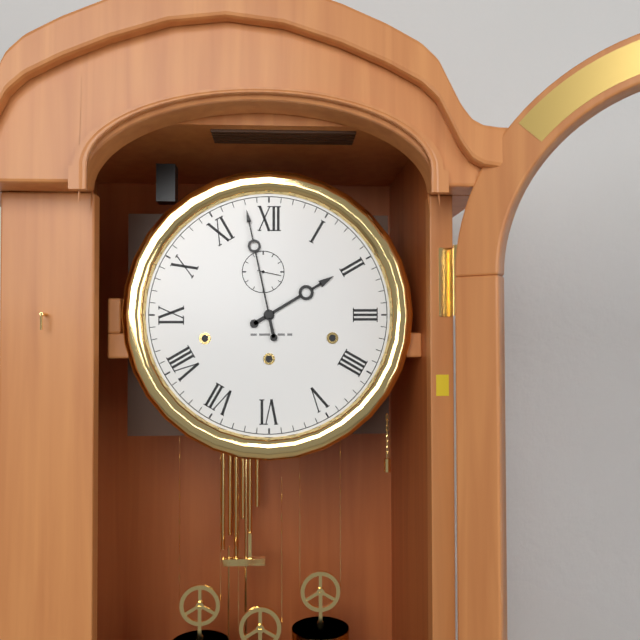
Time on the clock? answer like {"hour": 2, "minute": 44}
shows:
{"hour": 1, "minute": 58}
